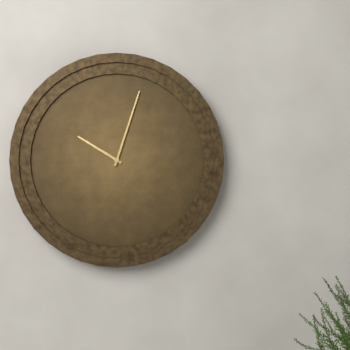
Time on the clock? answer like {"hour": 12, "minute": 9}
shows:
{"hour": 10, "minute": 3}
